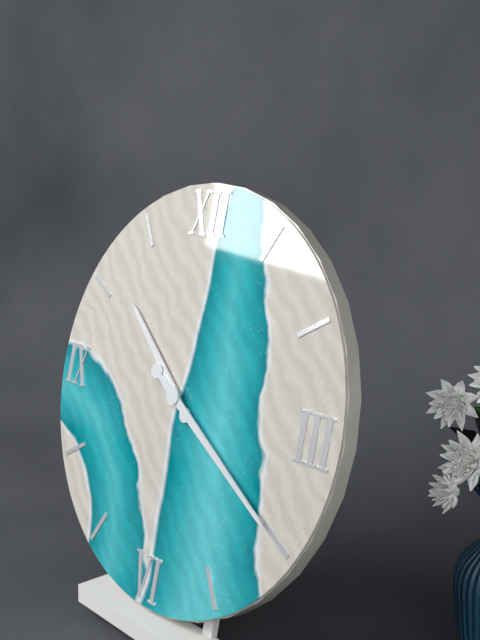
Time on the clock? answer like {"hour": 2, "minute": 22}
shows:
{"hour": 10, "minute": 20}
